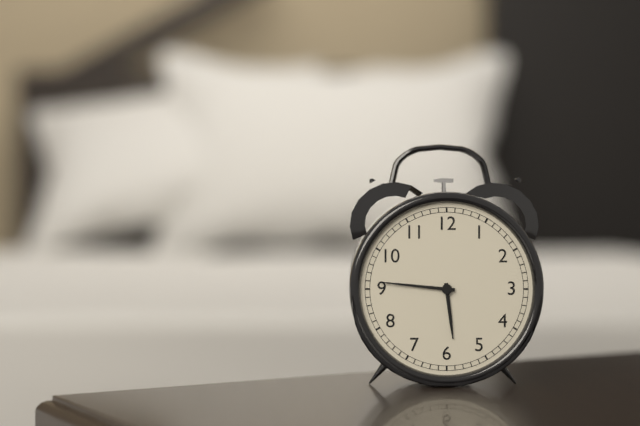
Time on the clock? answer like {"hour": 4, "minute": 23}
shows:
{"hour": 5, "minute": 46}
